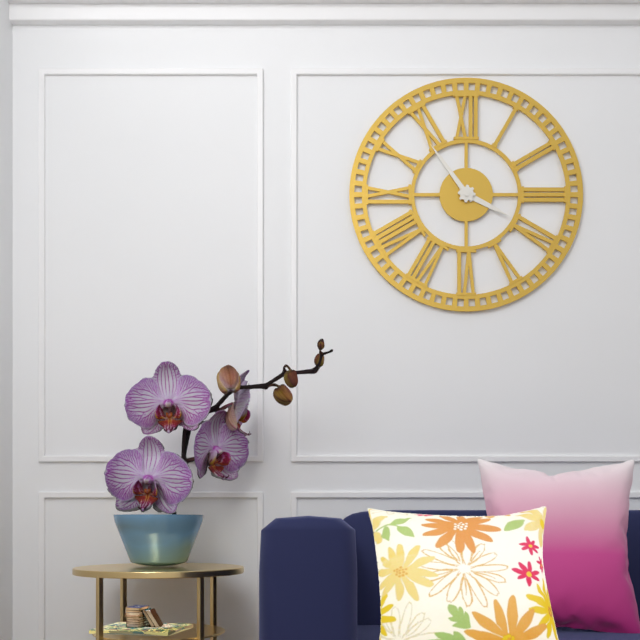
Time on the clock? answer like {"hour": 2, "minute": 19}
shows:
{"hour": 3, "minute": 54}
